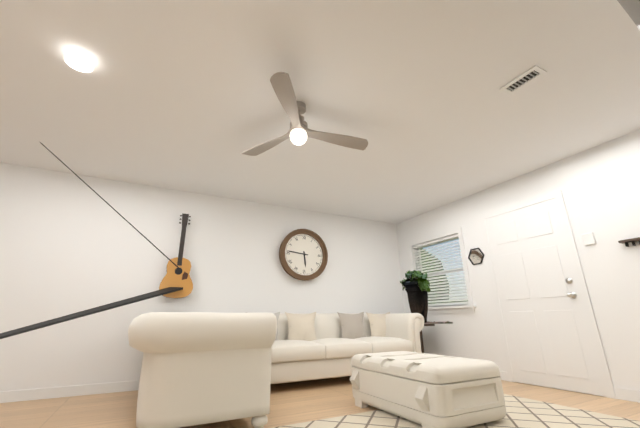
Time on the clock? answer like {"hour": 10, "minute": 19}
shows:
{"hour": 5, "minute": 46}
